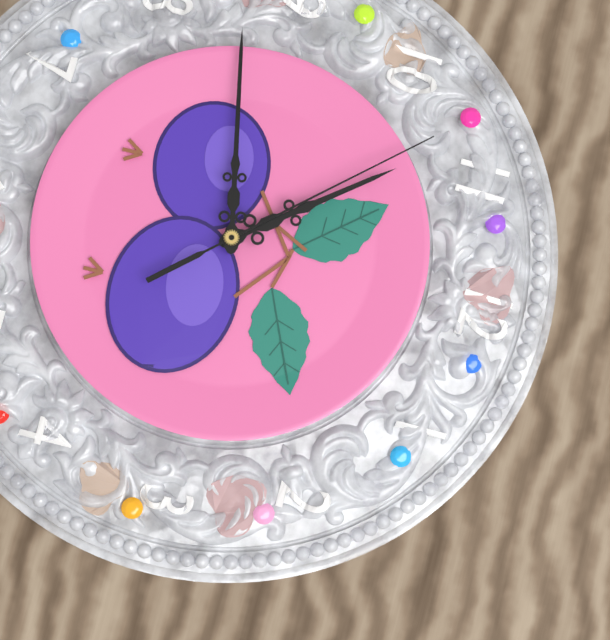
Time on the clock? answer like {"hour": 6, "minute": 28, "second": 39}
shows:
{"hour": 10, "minute": 43, "second": 53}
